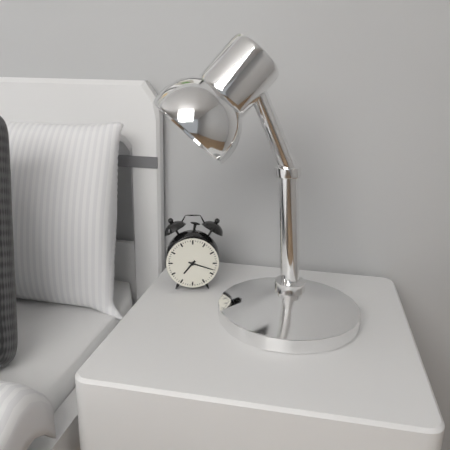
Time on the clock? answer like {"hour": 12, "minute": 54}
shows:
{"hour": 7, "minute": 18}
